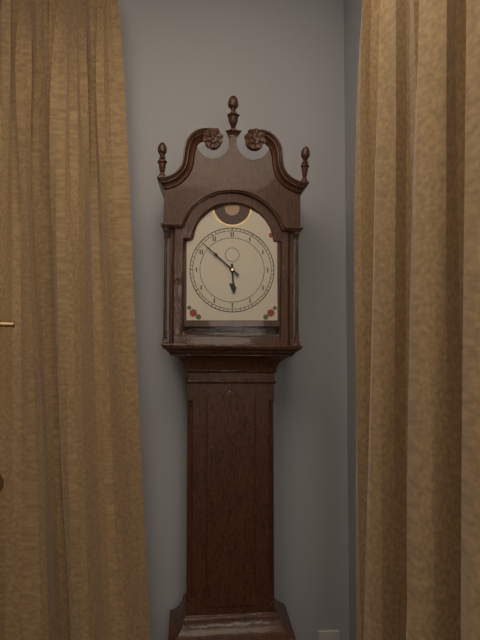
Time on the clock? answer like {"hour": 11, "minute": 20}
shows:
{"hour": 5, "minute": 52}
